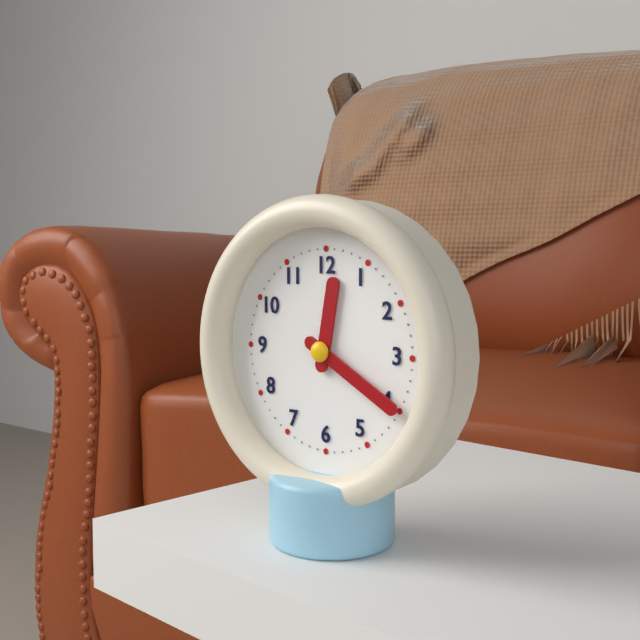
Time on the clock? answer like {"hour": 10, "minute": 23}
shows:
{"hour": 12, "minute": 20}
